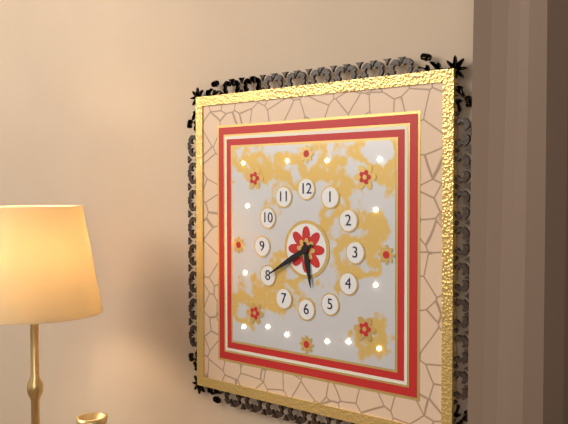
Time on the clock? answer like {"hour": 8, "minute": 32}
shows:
{"hour": 5, "minute": 40}
